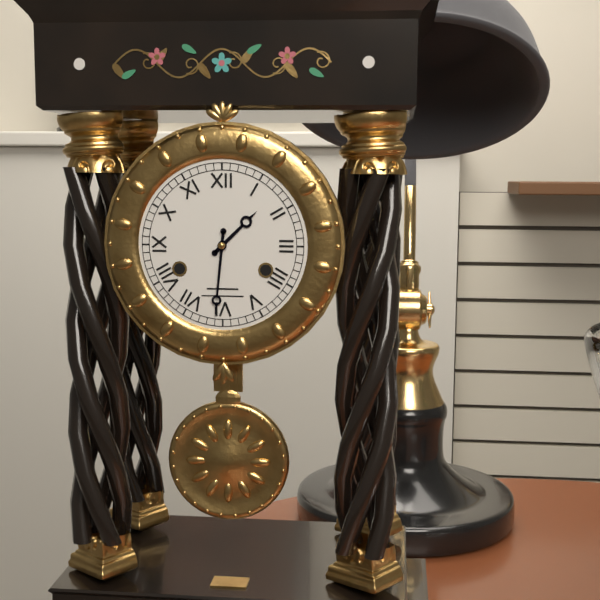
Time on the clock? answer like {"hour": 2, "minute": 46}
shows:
{"hour": 1, "minute": 31}
